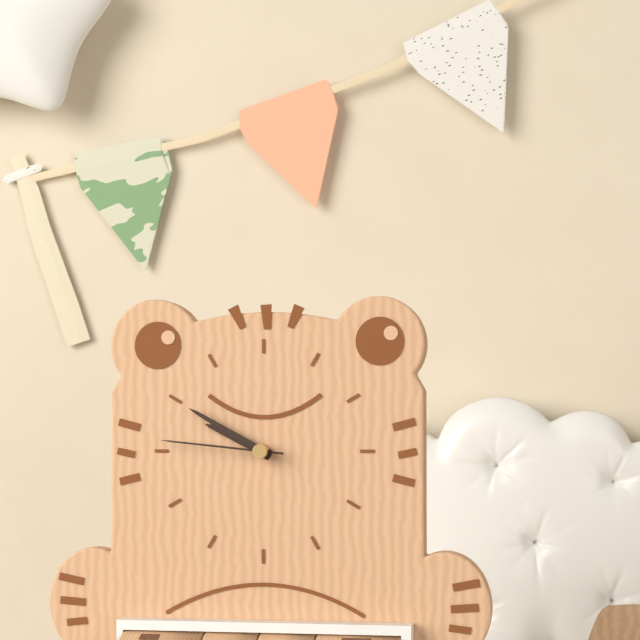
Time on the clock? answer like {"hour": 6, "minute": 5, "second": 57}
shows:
{"hour": 9, "minute": 50, "second": 46}
